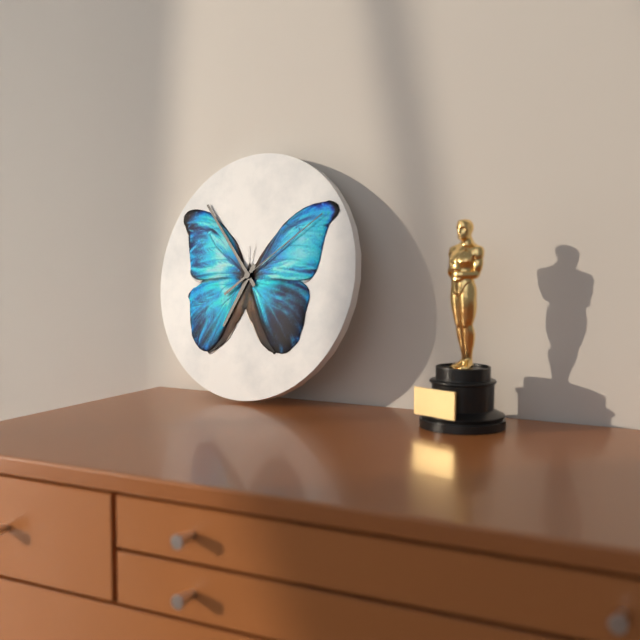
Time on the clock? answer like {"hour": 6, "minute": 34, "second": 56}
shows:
{"hour": 6, "minute": 53, "second": 9}
